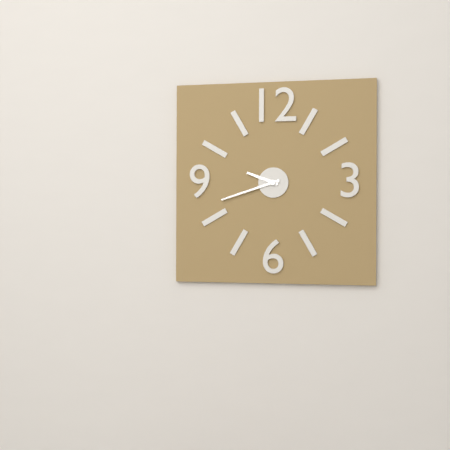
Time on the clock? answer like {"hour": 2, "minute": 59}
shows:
{"hour": 9, "minute": 42}
